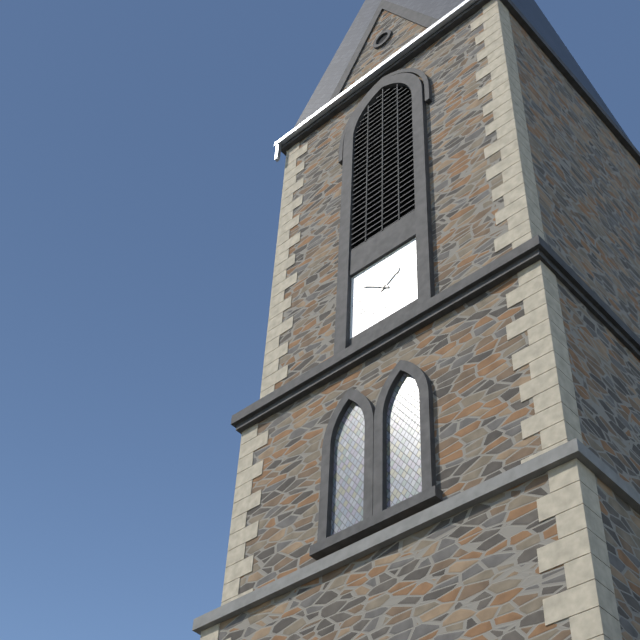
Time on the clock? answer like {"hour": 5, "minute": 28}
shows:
{"hour": 1, "minute": 51}
